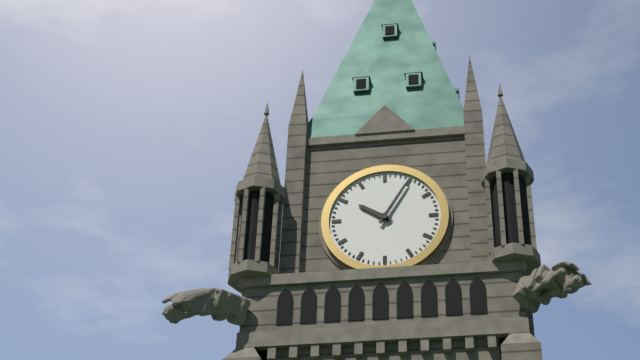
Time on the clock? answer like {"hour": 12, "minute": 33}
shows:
{"hour": 10, "minute": 5}
